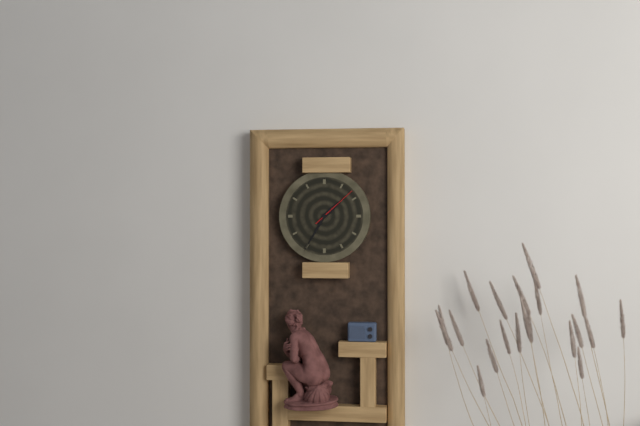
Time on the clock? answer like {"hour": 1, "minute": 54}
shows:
{"hour": 1, "minute": 35}
